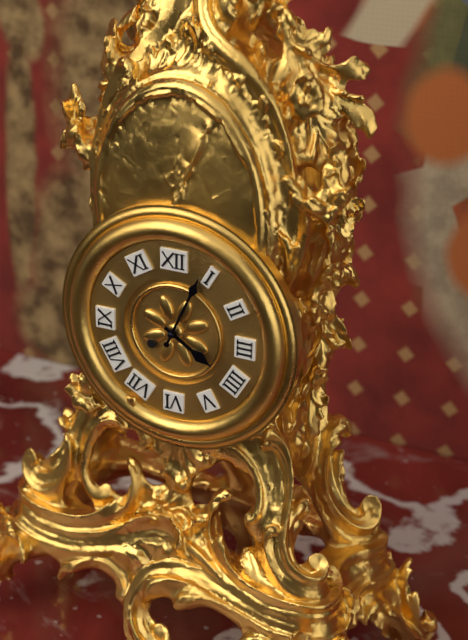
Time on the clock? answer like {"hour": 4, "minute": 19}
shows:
{"hour": 4, "minute": 4}
